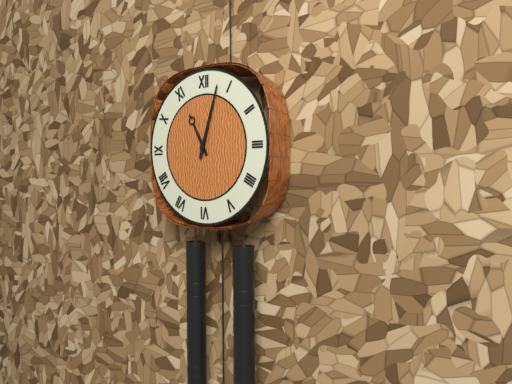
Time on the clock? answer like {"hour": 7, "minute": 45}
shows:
{"hour": 11, "minute": 3}
